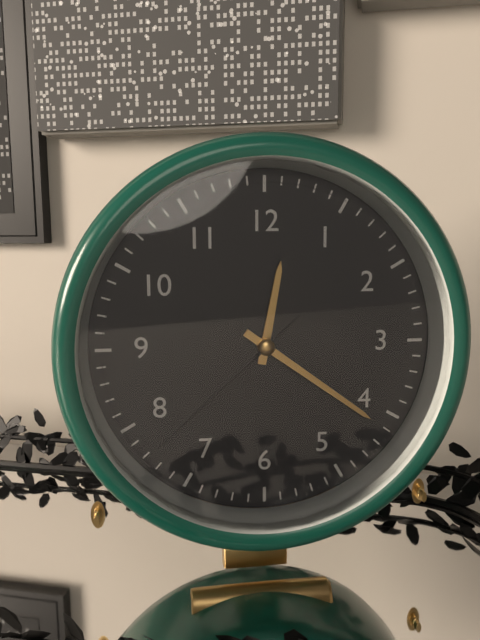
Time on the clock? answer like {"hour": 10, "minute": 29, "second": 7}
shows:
{"hour": 12, "minute": 21, "second": 38}
